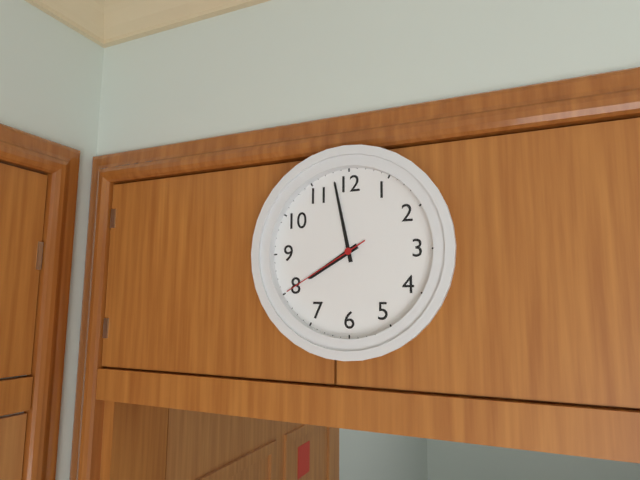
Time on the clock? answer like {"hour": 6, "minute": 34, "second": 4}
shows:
{"hour": 7, "minute": 58, "second": 40}
